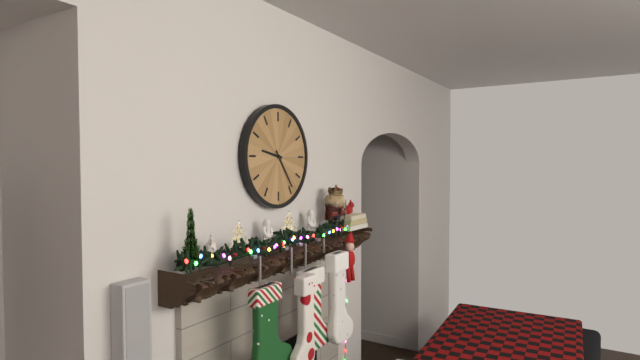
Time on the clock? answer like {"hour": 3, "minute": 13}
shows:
{"hour": 9, "minute": 24}
